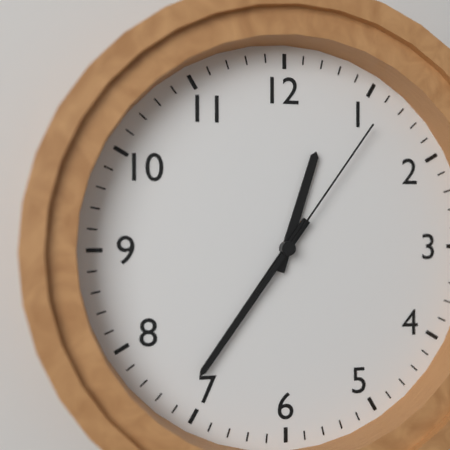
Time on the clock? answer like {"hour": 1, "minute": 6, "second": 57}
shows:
{"hour": 12, "minute": 36, "second": 6}
